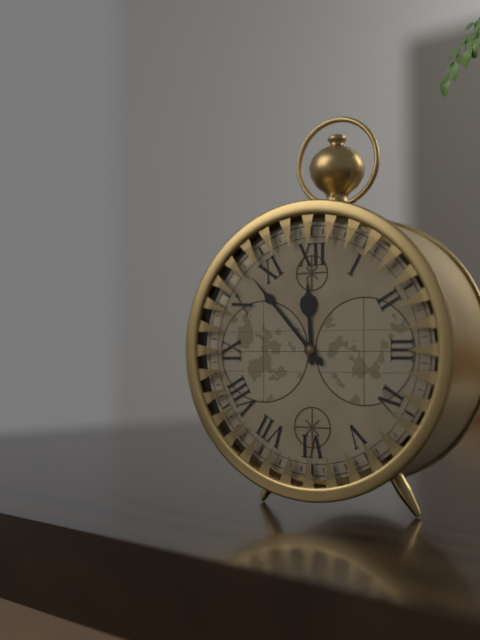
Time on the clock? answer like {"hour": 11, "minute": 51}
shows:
{"hour": 11, "minute": 53}
